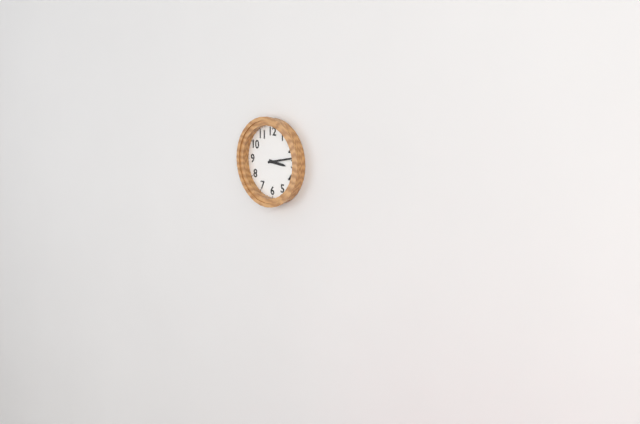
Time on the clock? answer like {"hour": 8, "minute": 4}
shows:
{"hour": 3, "minute": 13}
